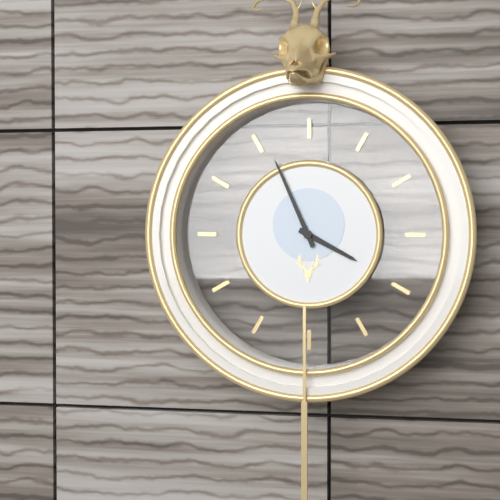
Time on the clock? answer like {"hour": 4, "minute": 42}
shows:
{"hour": 3, "minute": 56}
